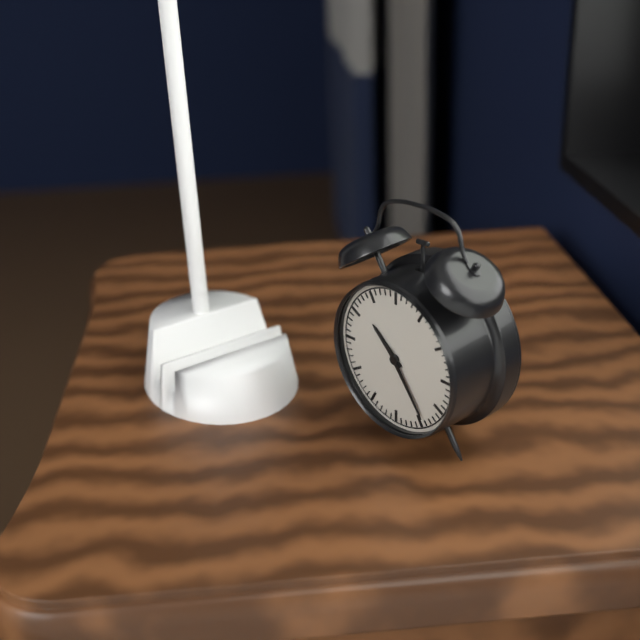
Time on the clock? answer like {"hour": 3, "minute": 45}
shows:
{"hour": 10, "minute": 24}
